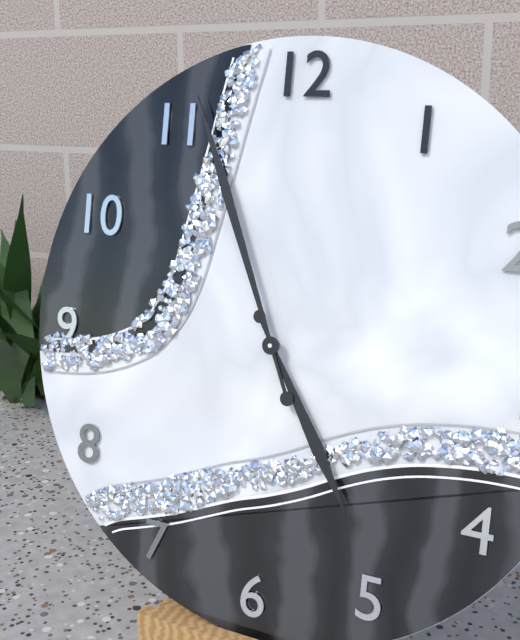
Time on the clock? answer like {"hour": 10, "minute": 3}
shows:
{"hour": 4, "minute": 56}
